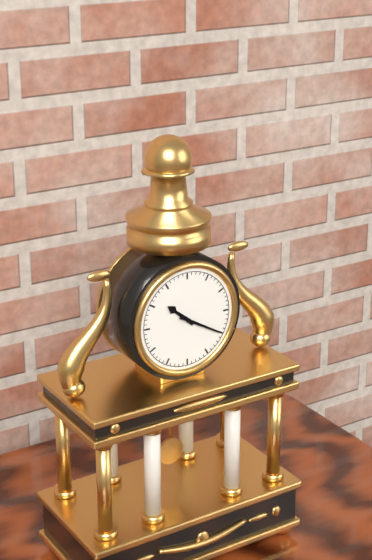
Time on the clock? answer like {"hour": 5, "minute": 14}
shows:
{"hour": 10, "minute": 20}
